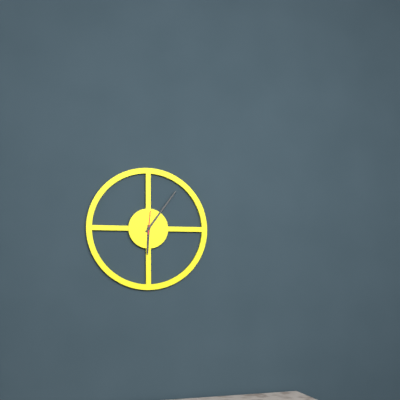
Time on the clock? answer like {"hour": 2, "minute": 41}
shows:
{"hour": 6, "minute": 6}
